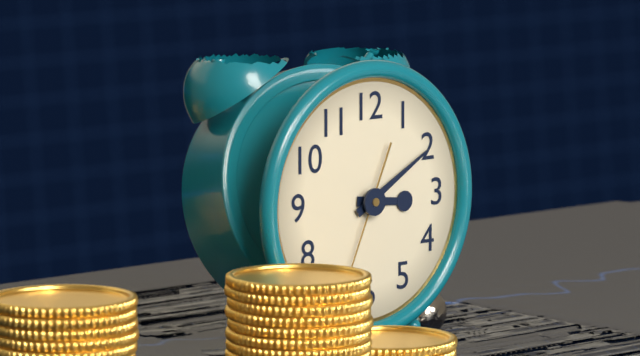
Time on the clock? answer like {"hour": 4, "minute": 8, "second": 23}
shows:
{"hour": 3, "minute": 10, "second": 34}
